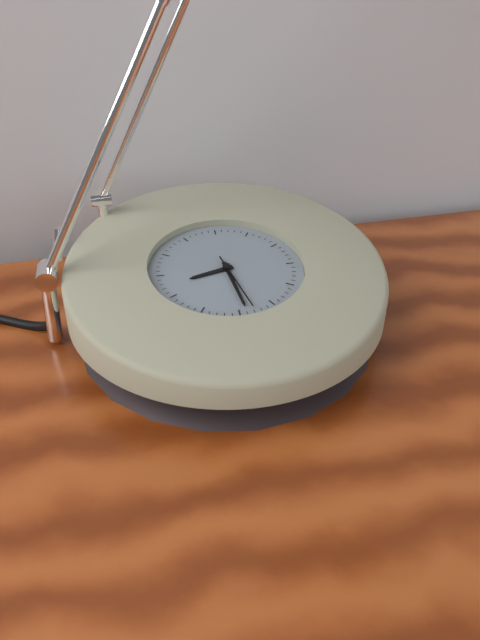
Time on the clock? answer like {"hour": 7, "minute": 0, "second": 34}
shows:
{"hour": 8, "minute": 29, "second": 28}
